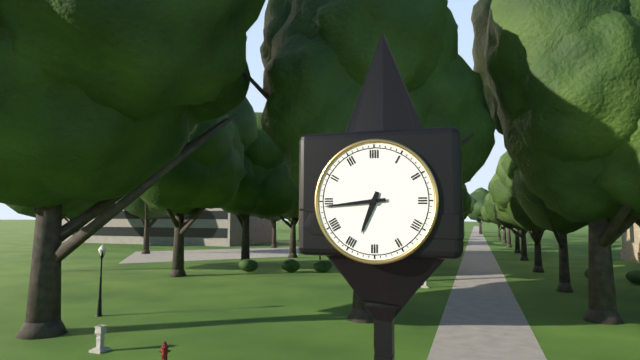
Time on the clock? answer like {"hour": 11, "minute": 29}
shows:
{"hour": 6, "minute": 44}
